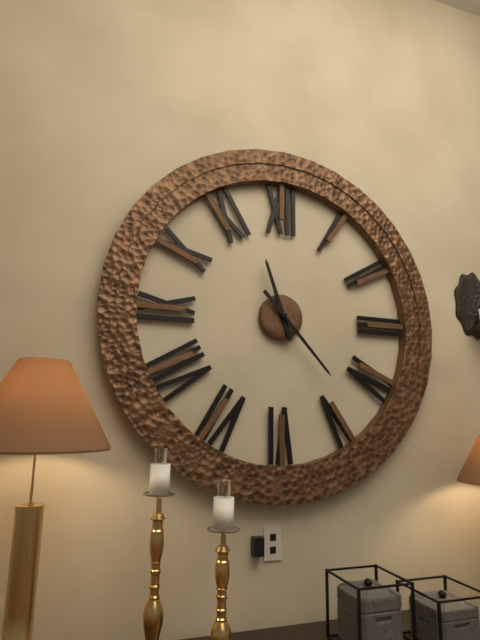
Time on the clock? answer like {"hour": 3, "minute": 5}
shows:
{"hour": 11, "minute": 23}
